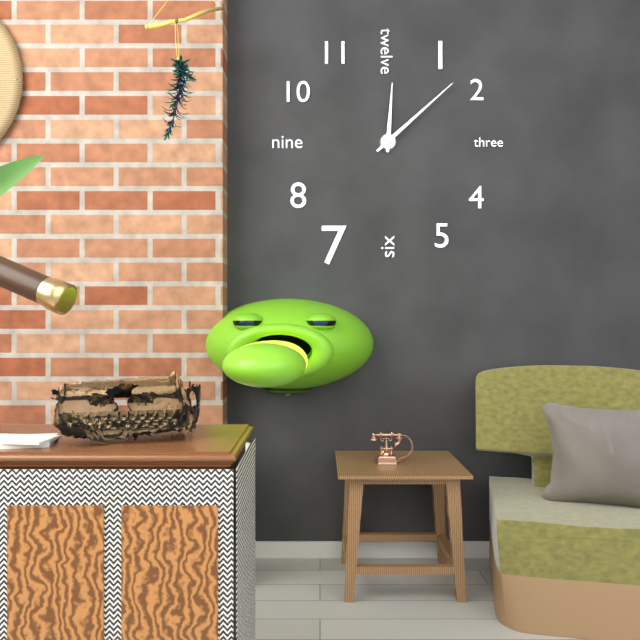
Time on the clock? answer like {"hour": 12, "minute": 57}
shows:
{"hour": 12, "minute": 8}
